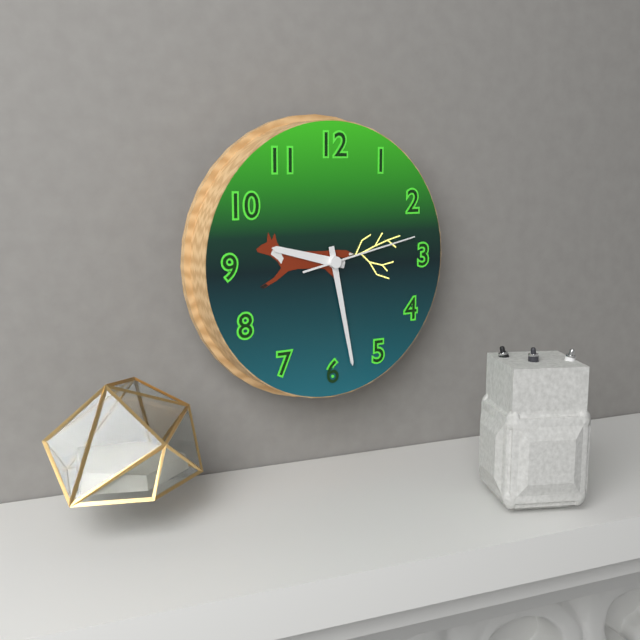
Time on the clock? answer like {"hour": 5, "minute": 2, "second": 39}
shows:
{"hour": 9, "minute": 28, "second": 13}
